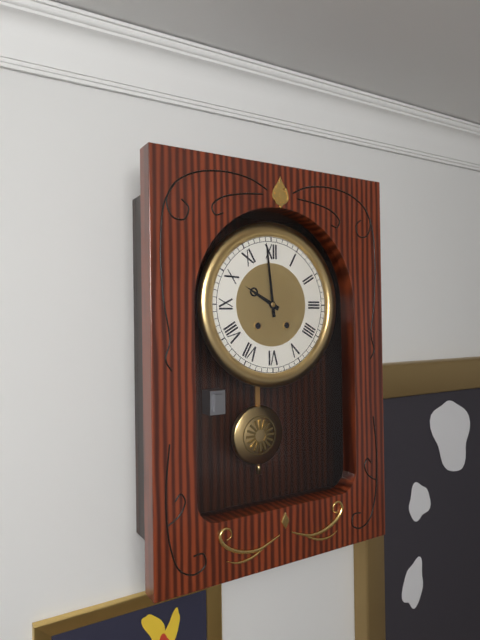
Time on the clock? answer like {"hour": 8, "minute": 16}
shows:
{"hour": 9, "minute": 59}
